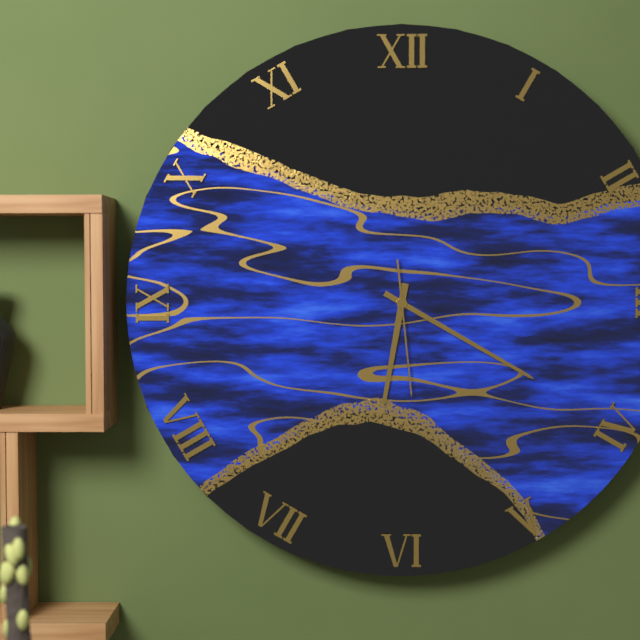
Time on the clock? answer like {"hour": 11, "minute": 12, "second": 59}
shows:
{"hour": 6, "minute": 20, "second": 29}
